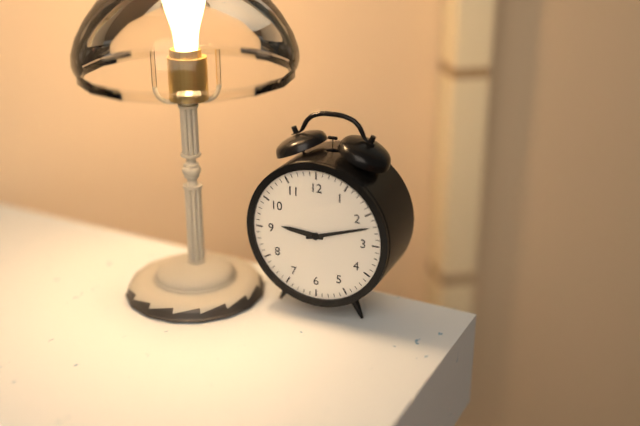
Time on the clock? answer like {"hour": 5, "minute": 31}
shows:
{"hour": 9, "minute": 12}
